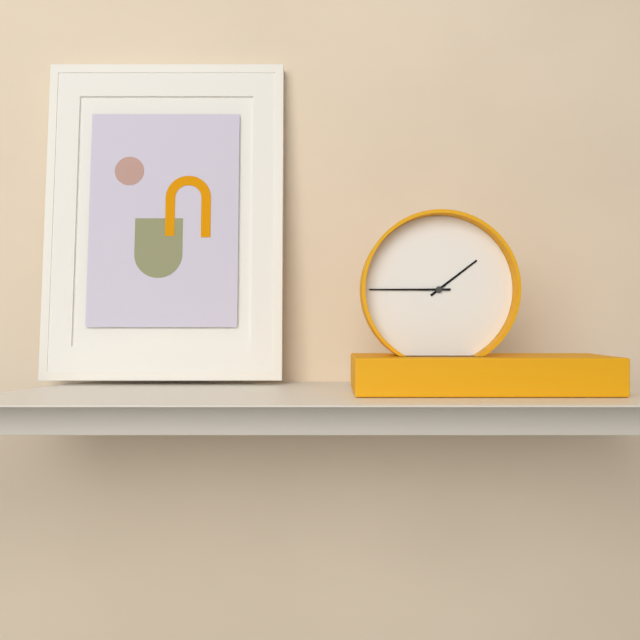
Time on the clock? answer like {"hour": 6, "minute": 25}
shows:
{"hour": 1, "minute": 45}
